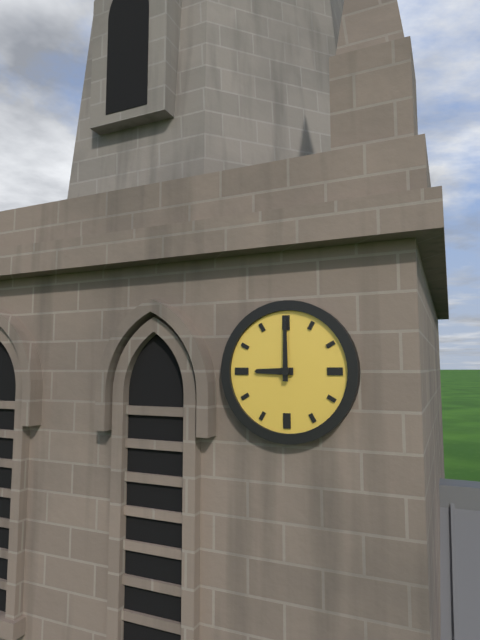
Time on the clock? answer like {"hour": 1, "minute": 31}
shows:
{"hour": 9, "minute": 0}
